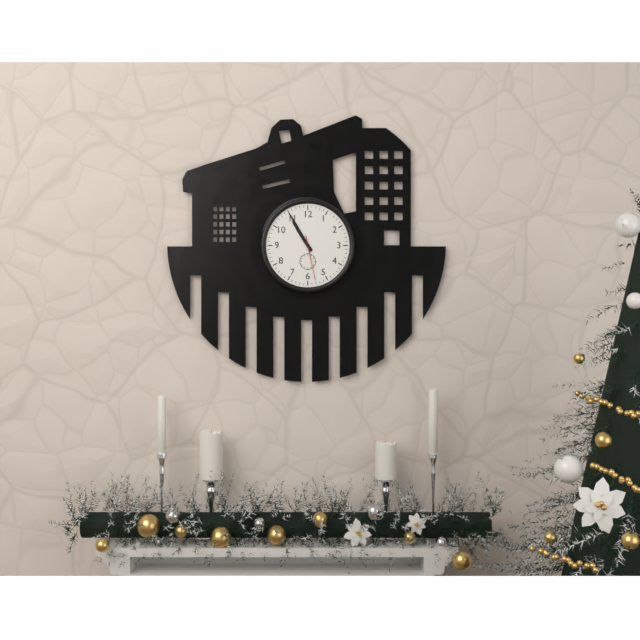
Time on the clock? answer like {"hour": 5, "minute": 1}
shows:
{"hour": 10, "minute": 55}
